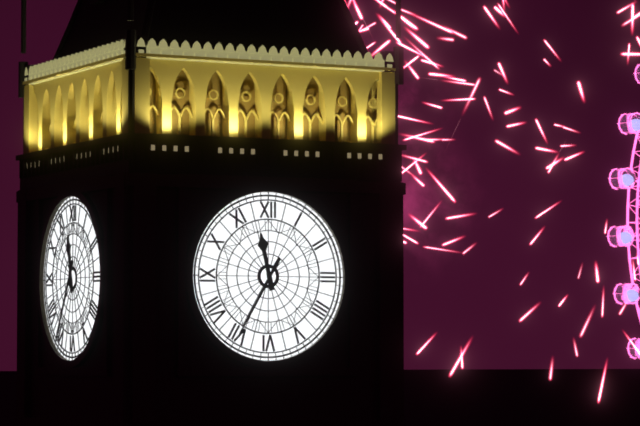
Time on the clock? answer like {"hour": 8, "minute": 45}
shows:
{"hour": 11, "minute": 35}
